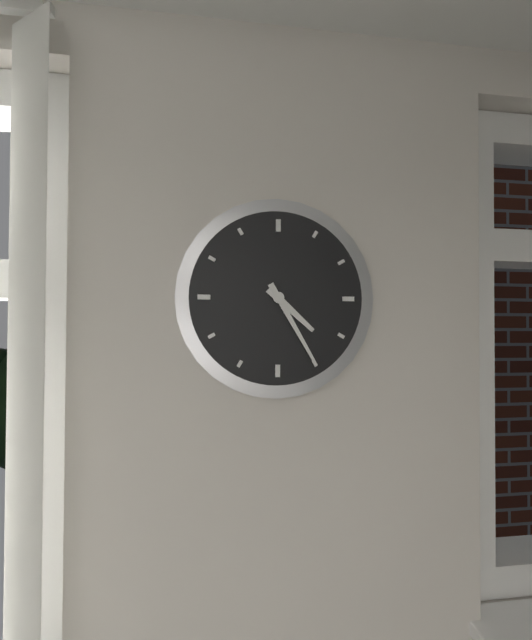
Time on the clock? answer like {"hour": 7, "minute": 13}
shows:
{"hour": 4, "minute": 25}
